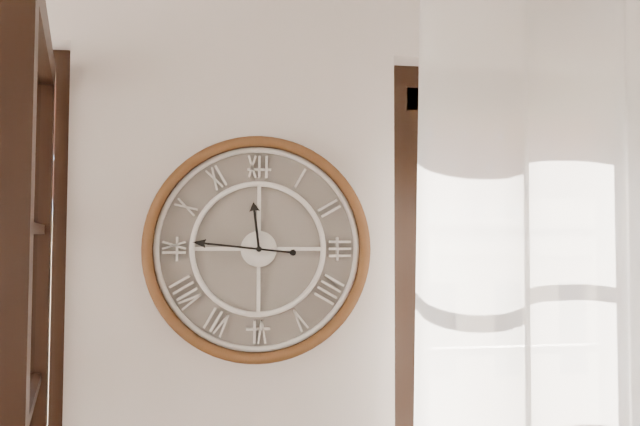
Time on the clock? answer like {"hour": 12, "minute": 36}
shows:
{"hour": 11, "minute": 46}
